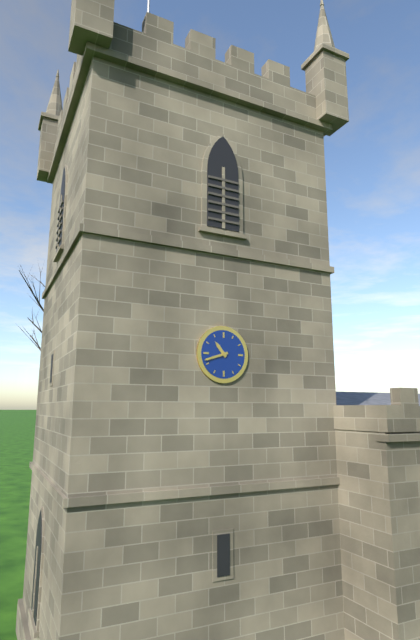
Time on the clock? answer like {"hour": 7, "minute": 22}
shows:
{"hour": 10, "minute": 42}
